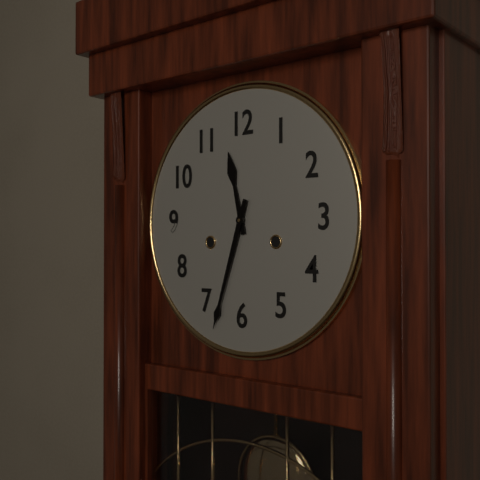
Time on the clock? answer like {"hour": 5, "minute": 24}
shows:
{"hour": 11, "minute": 33}
